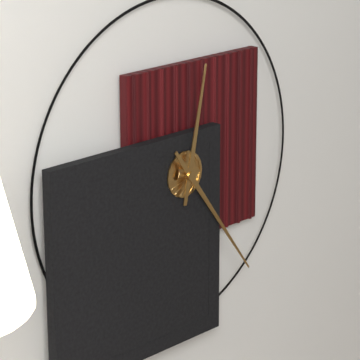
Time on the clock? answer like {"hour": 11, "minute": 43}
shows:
{"hour": 12, "minute": 24}
